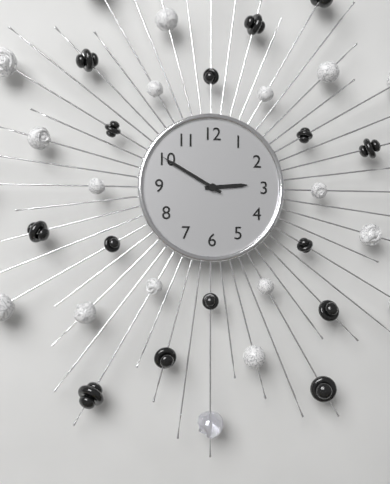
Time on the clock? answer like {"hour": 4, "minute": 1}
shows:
{"hour": 2, "minute": 50}
